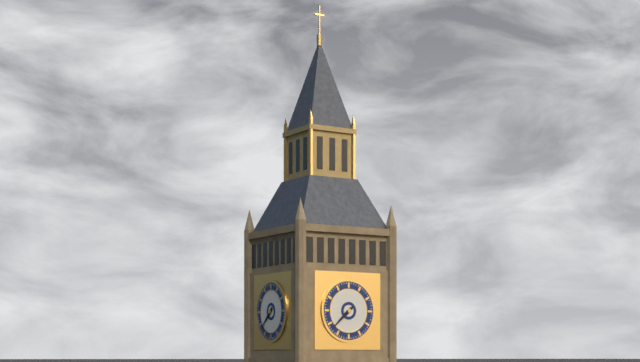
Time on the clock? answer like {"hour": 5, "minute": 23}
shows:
{"hour": 7, "minute": 38}
